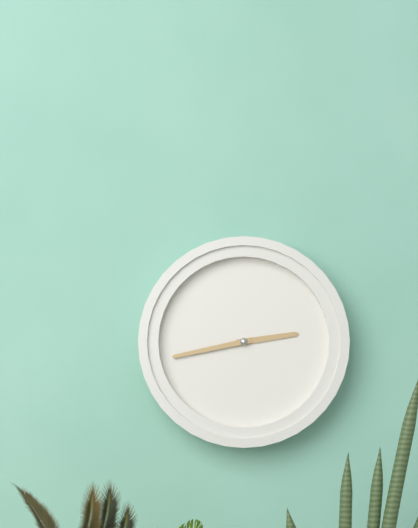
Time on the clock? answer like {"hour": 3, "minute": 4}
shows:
{"hour": 2, "minute": 43}
